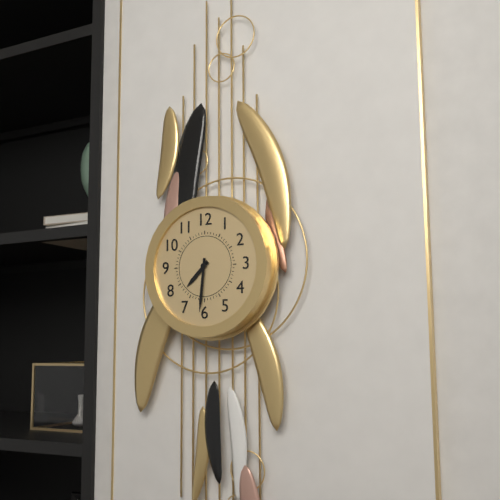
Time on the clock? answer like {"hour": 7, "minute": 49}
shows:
{"hour": 7, "minute": 31}
